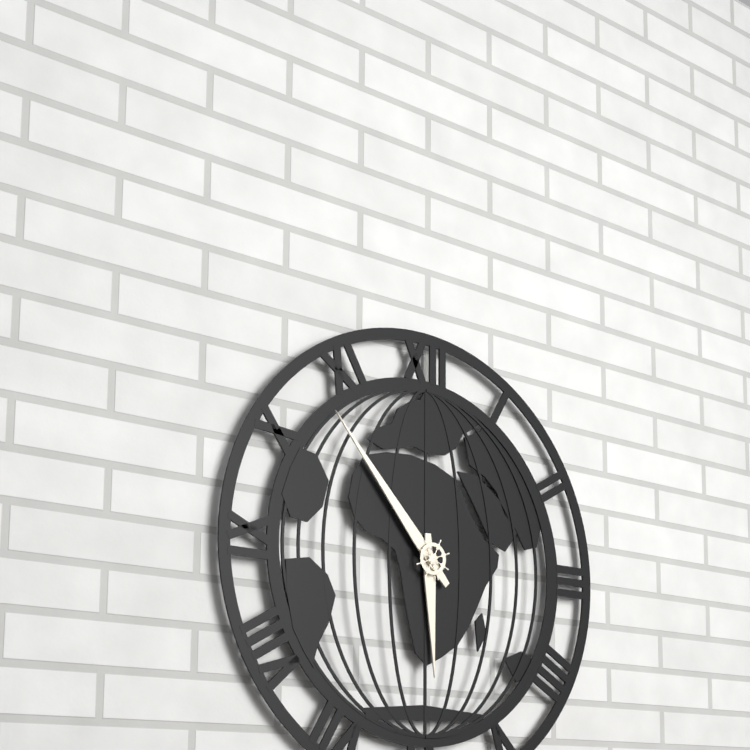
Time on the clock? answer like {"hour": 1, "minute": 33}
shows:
{"hour": 5, "minute": 53}
